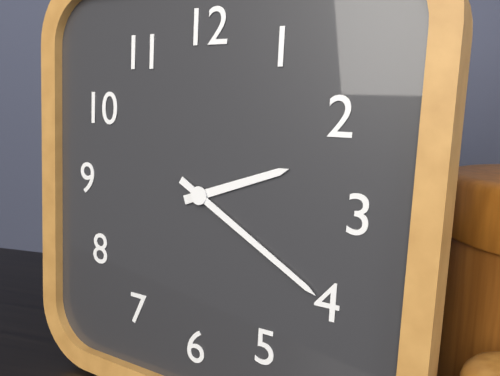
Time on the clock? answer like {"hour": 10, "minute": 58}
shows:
{"hour": 2, "minute": 20}
